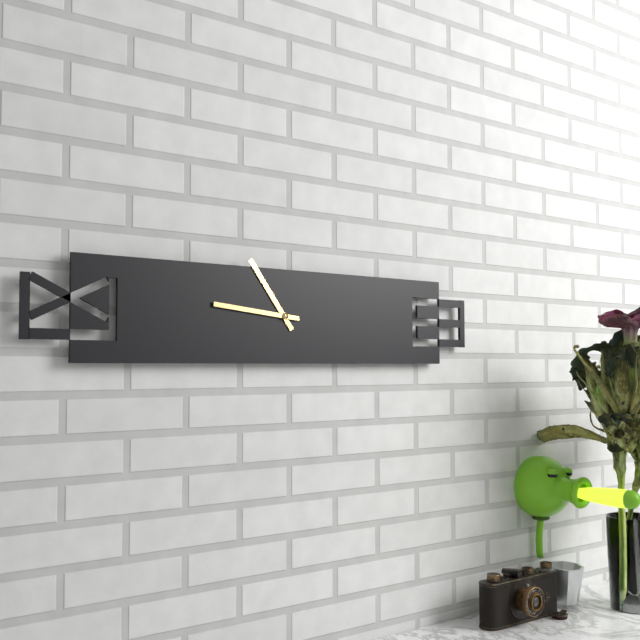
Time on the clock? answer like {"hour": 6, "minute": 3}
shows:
{"hour": 10, "minute": 46}
